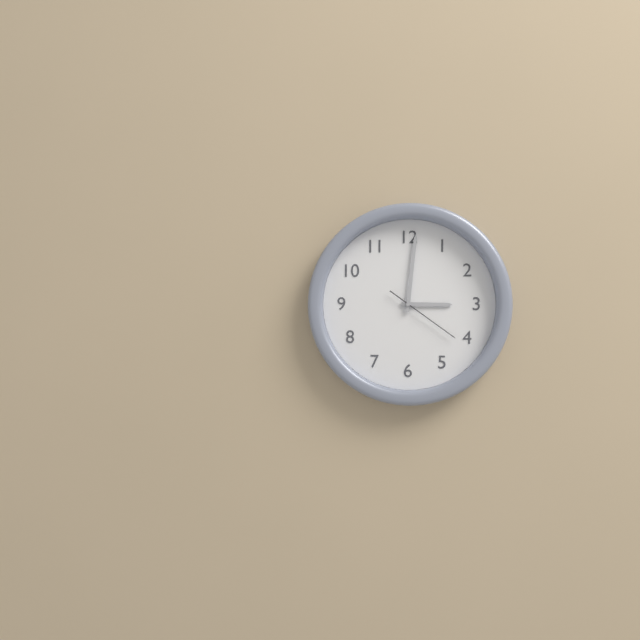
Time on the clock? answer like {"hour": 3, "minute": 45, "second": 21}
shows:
{"hour": 3, "minute": 1, "second": 21}
